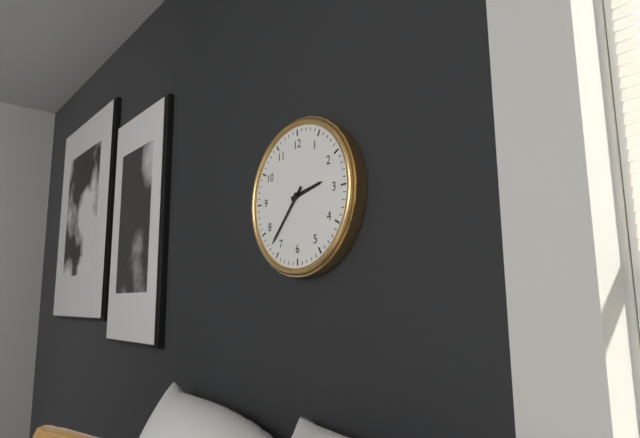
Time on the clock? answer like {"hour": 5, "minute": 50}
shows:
{"hour": 2, "minute": 37}
